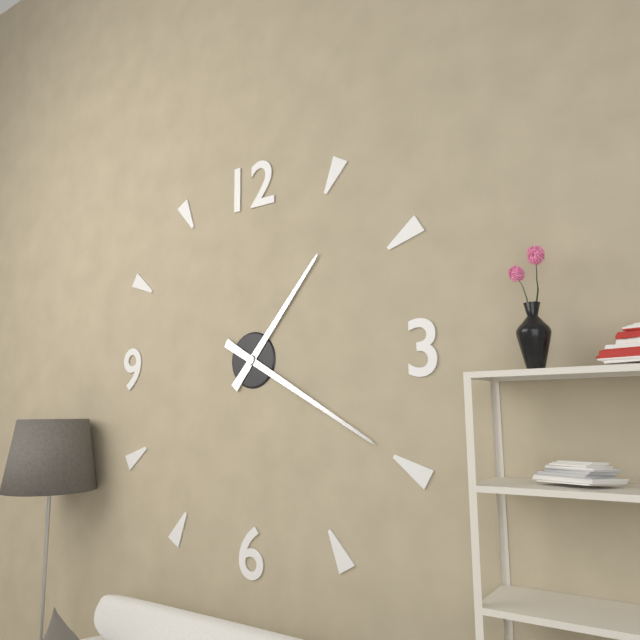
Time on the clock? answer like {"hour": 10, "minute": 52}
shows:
{"hour": 1, "minute": 20}
